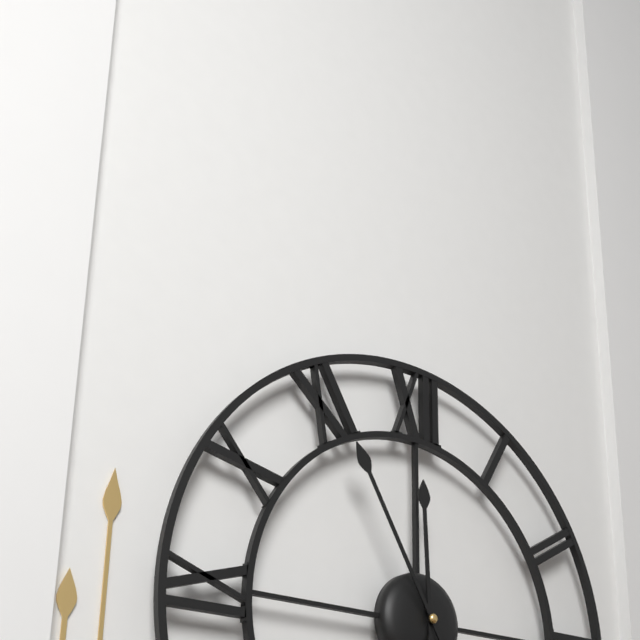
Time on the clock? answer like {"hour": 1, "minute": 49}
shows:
{"hour": 11, "minute": 55}
